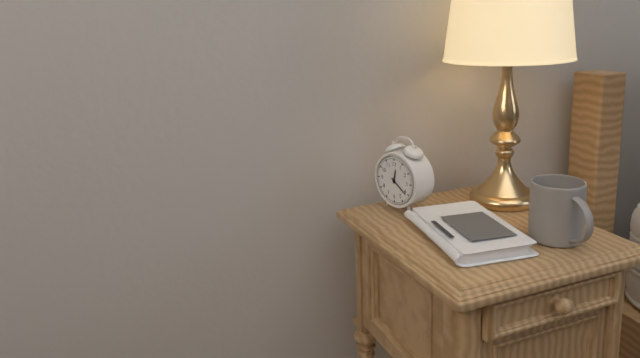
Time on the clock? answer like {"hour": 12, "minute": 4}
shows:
{"hour": 12, "minute": 21}
